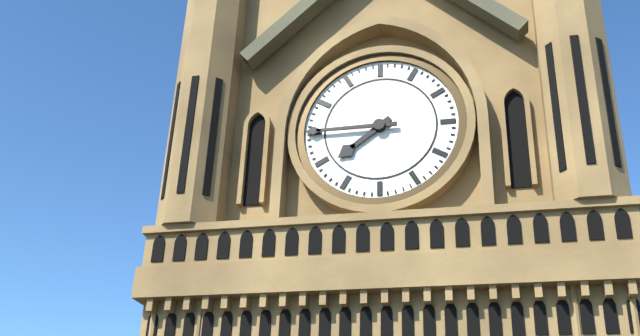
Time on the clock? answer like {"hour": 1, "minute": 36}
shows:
{"hour": 7, "minute": 45}
